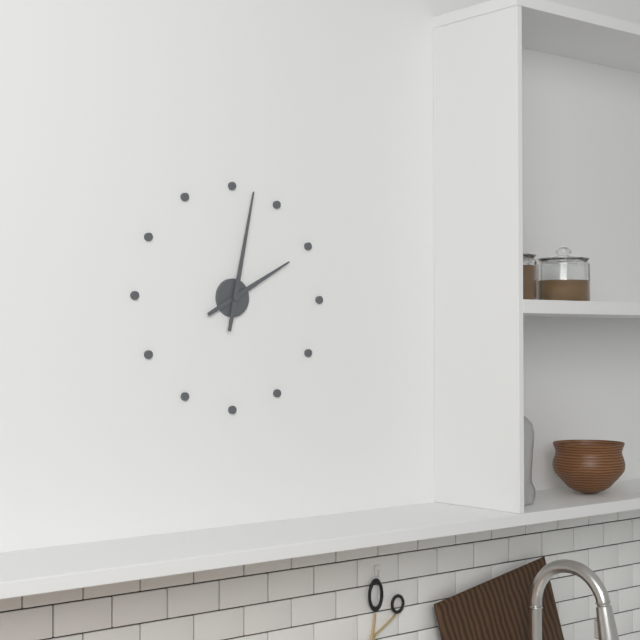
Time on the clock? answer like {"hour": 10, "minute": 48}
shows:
{"hour": 2, "minute": 2}
